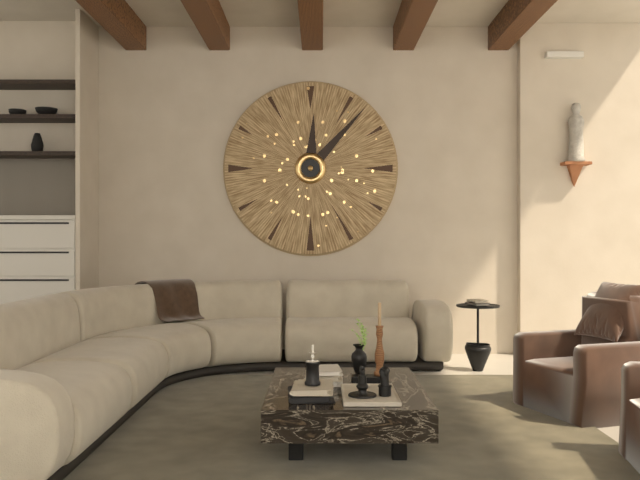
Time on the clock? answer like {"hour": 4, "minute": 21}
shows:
{"hour": 12, "minute": 7}
